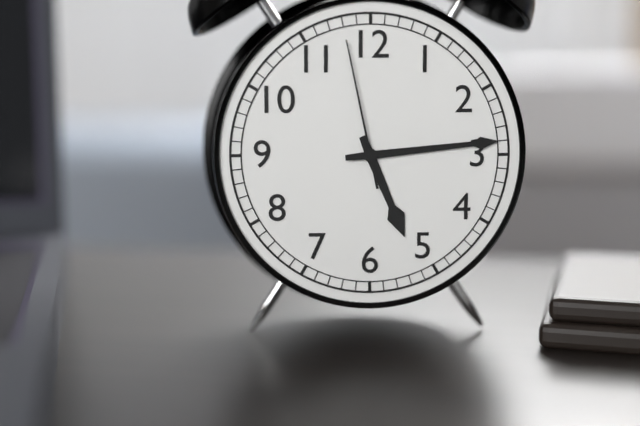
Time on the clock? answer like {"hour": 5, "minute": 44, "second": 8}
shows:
{"hour": 5, "minute": 14, "second": 58}
